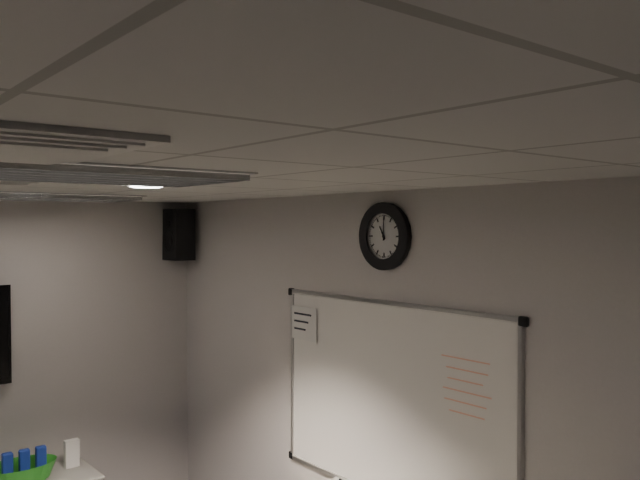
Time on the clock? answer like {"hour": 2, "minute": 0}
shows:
{"hour": 11, "minute": 0}
